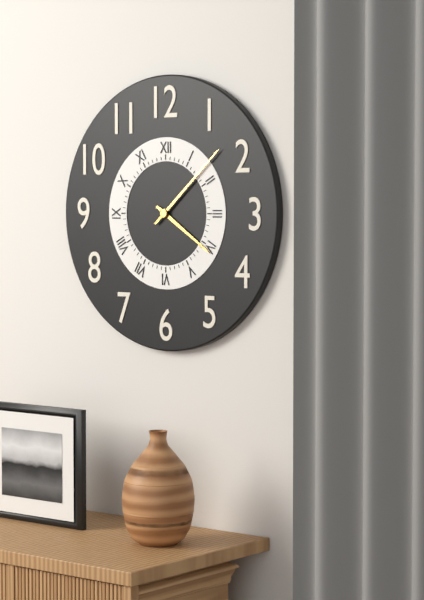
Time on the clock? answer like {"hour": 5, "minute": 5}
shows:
{"hour": 4, "minute": 8}
